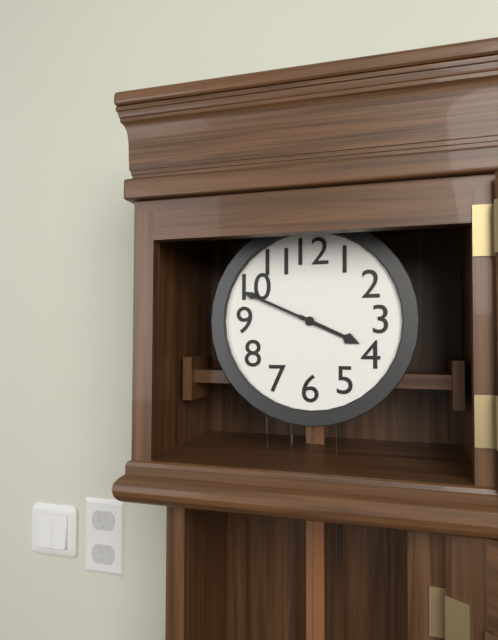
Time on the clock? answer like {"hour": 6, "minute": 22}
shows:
{"hour": 3, "minute": 49}
